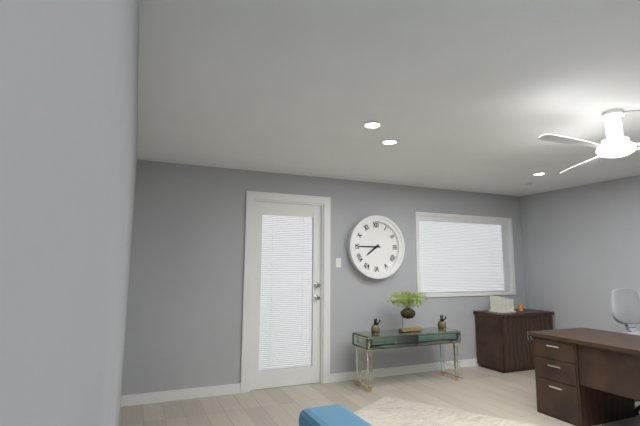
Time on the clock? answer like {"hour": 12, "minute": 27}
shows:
{"hour": 7, "minute": 45}
